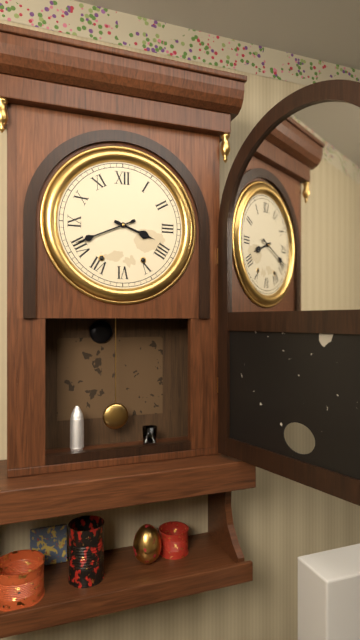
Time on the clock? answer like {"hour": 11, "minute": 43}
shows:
{"hour": 3, "minute": 41}
